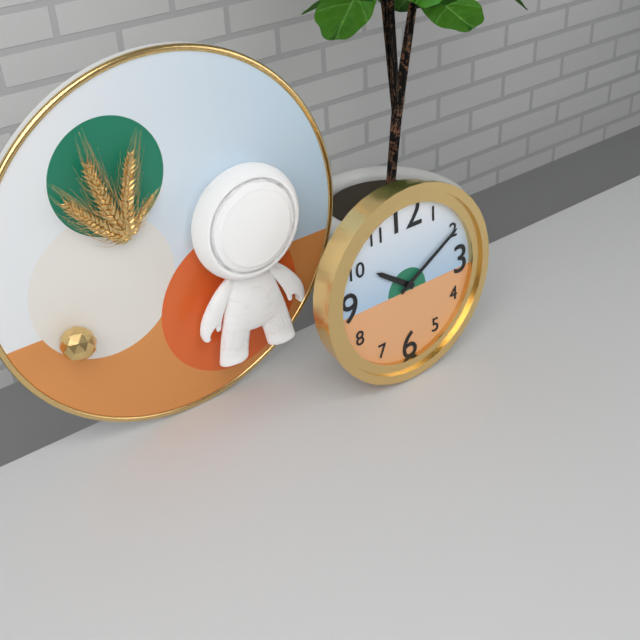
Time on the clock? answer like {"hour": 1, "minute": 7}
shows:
{"hour": 10, "minute": 10}
